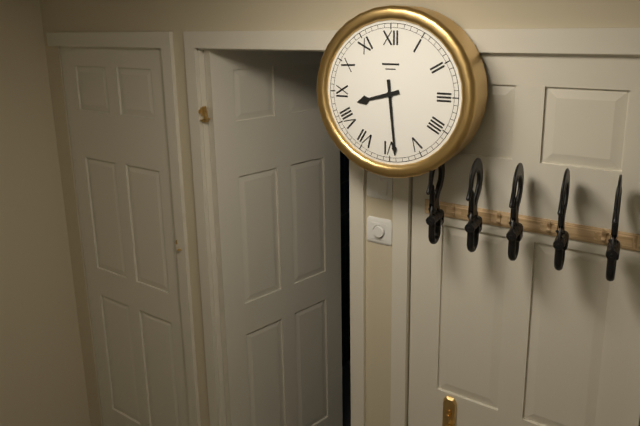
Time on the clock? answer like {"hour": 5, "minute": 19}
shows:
{"hour": 8, "minute": 29}
